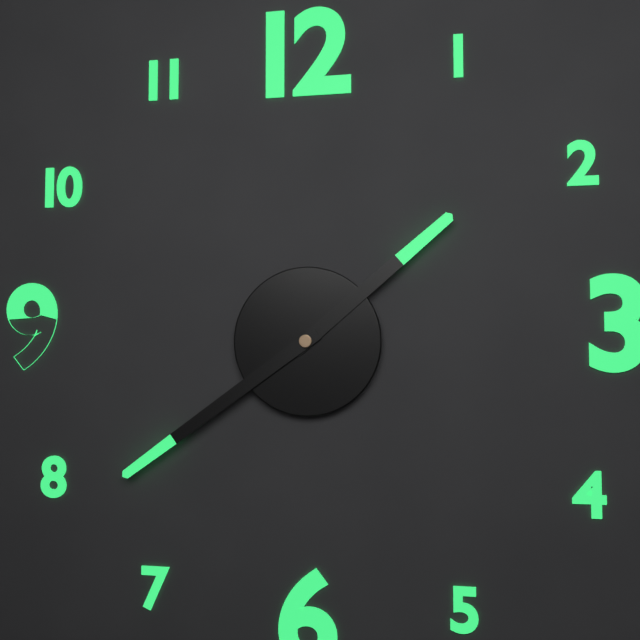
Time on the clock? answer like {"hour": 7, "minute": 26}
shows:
{"hour": 1, "minute": 39}
